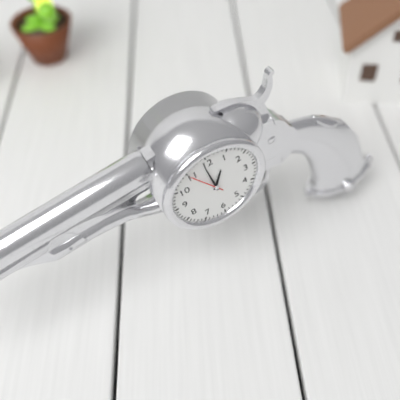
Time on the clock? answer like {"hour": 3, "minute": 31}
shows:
{"hour": 12, "minute": 59}
